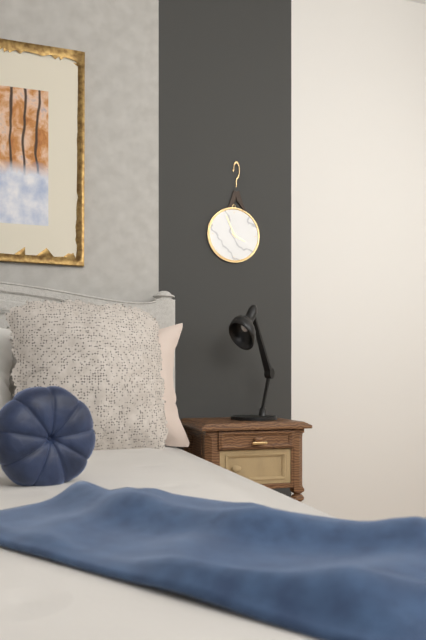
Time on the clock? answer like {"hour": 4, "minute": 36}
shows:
{"hour": 3, "minute": 56}
